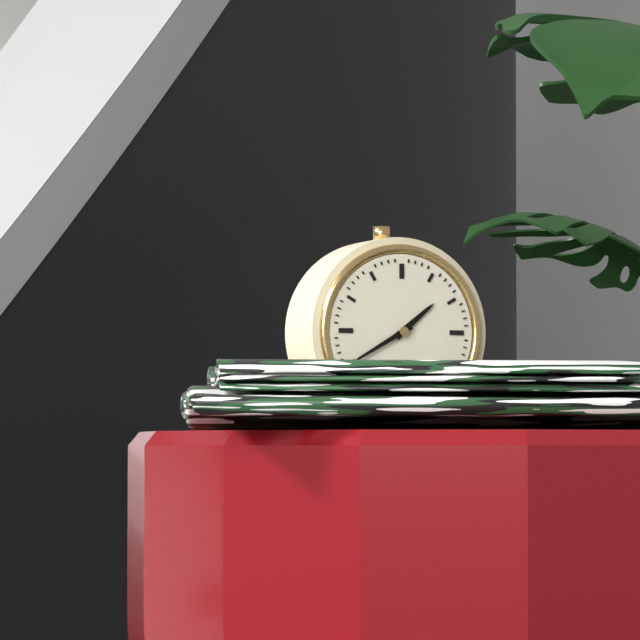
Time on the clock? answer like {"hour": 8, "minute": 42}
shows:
{"hour": 1, "minute": 40}
